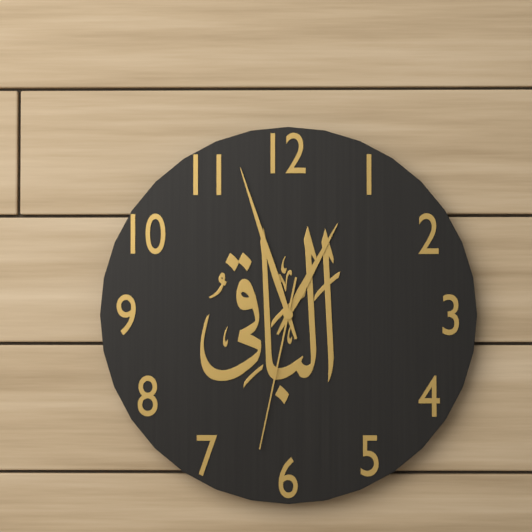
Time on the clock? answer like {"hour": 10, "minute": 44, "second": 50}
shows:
{"hour": 12, "minute": 57, "second": 32}
